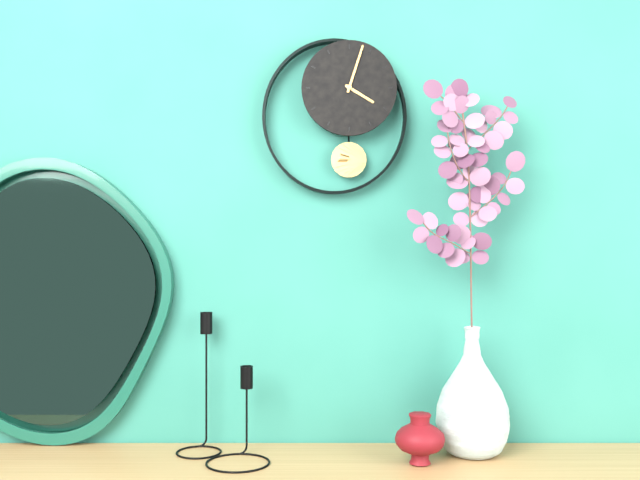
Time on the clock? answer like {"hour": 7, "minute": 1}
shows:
{"hour": 4, "minute": 3}
